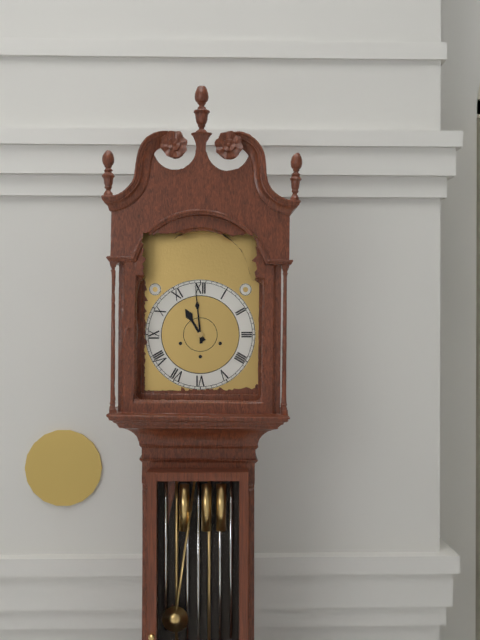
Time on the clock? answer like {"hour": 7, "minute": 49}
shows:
{"hour": 10, "minute": 59}
